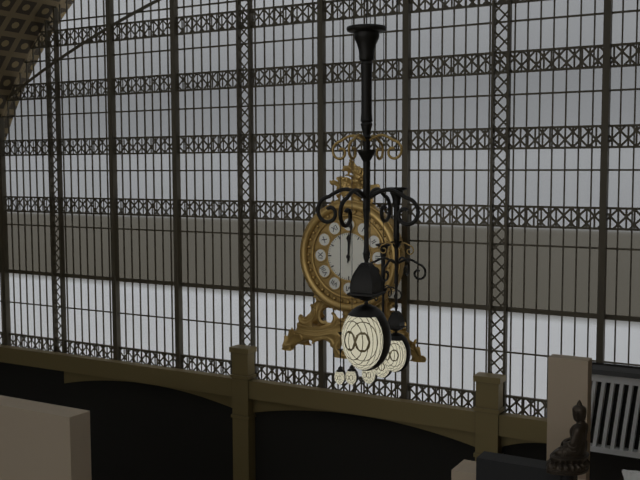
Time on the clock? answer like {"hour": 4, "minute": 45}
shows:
{"hour": 12, "minute": 1}
